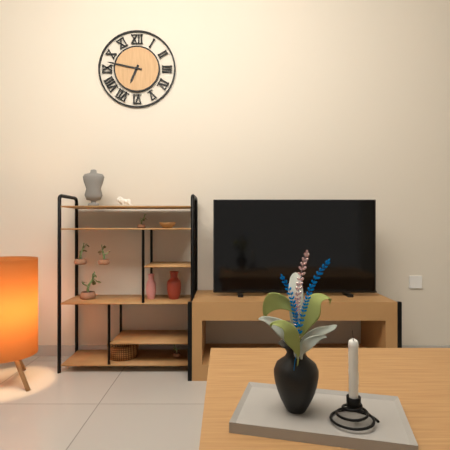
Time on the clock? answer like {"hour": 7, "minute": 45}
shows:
{"hour": 6, "minute": 47}
